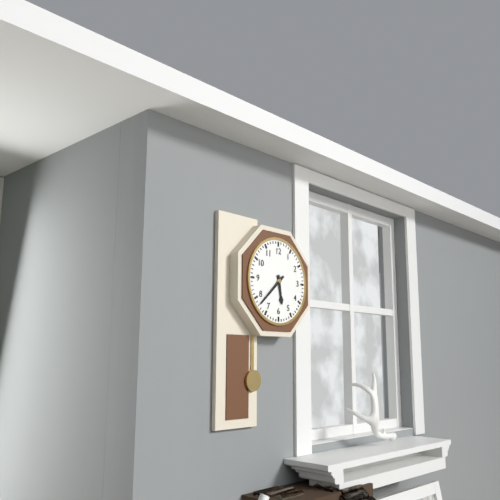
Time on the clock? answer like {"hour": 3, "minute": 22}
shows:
{"hour": 5, "minute": 38}
